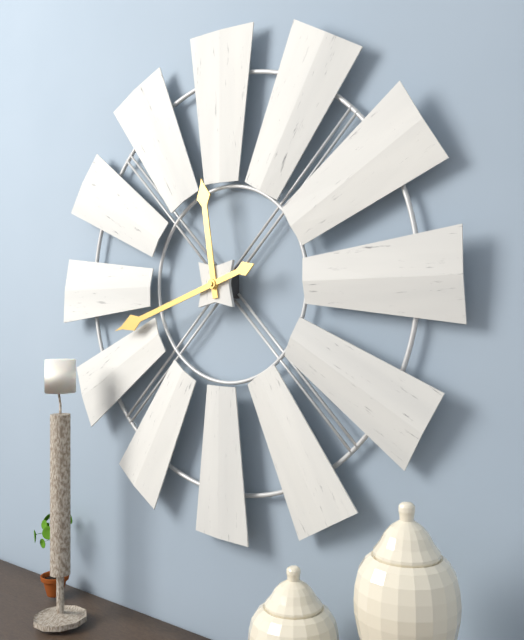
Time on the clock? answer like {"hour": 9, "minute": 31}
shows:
{"hour": 11, "minute": 42}
